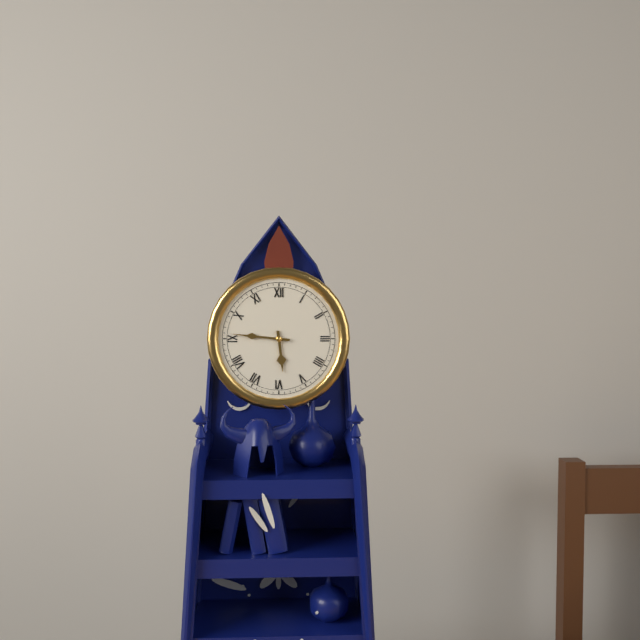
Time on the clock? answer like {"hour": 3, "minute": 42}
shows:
{"hour": 5, "minute": 46}
